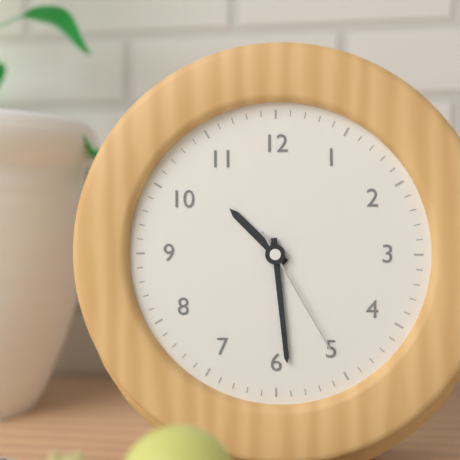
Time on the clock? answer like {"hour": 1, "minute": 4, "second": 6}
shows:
{"hour": 10, "minute": 29, "second": 25}
